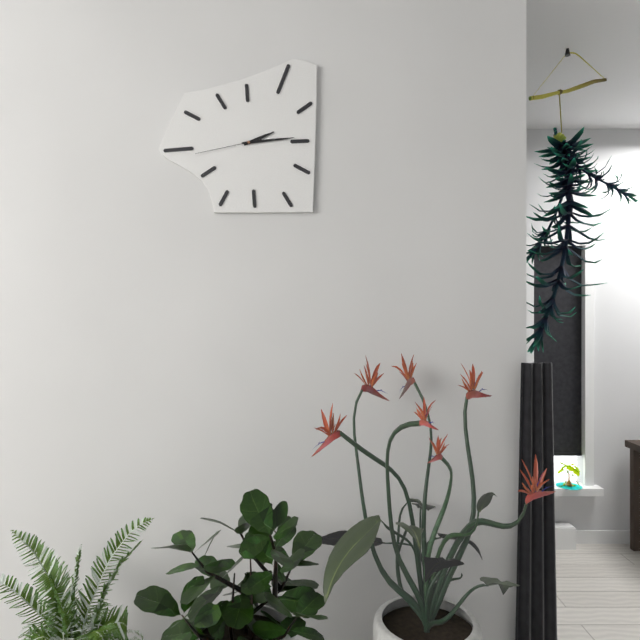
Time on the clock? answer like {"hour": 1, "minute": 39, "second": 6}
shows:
{"hour": 2, "minute": 14, "second": 43}
